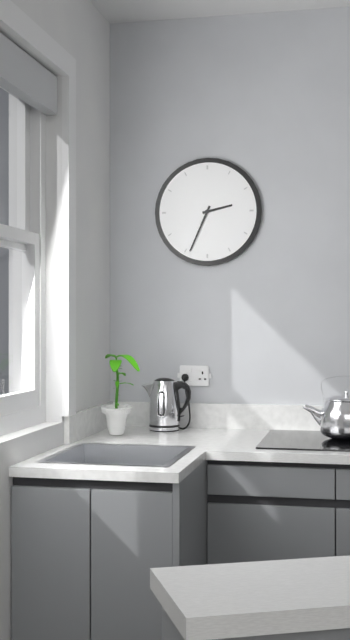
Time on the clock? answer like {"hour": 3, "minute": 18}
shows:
{"hour": 2, "minute": 34}
